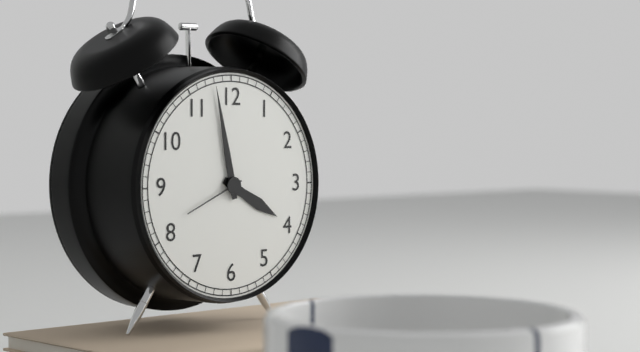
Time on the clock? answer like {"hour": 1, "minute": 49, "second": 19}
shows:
{"hour": 3, "minute": 58, "second": 41}
